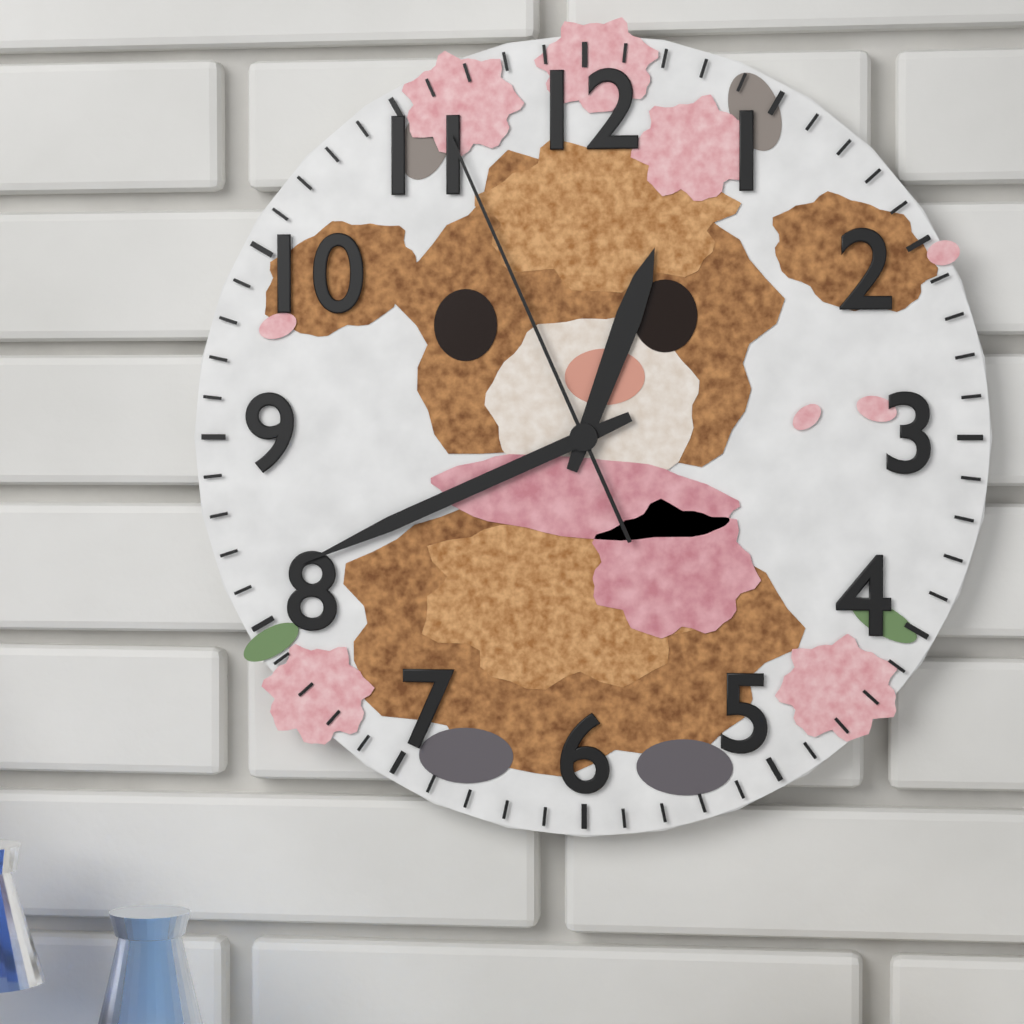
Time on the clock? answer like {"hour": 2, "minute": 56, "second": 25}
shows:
{"hour": 12, "minute": 41, "second": 56}
